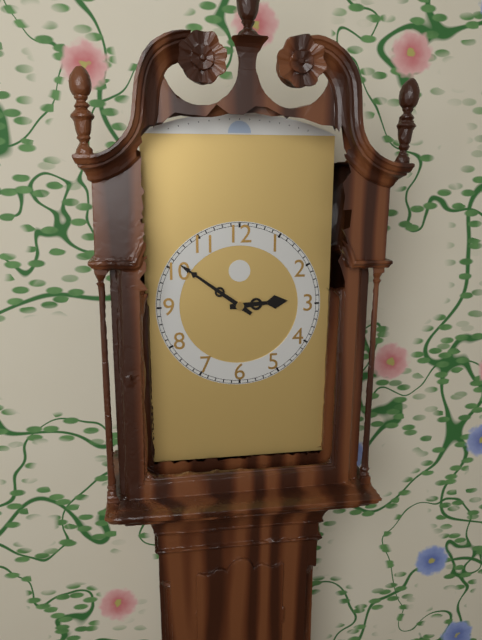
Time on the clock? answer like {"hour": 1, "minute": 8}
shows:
{"hour": 2, "minute": 51}
